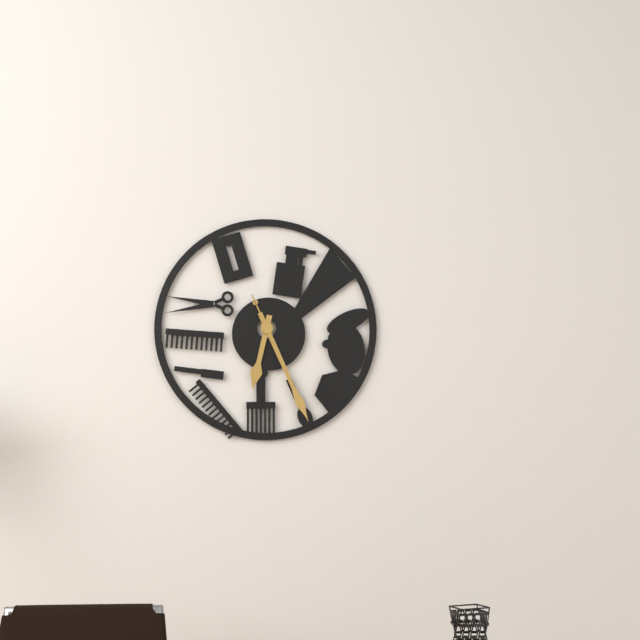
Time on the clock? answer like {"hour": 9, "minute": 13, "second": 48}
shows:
{"hour": 6, "minute": 26, "second": 26}
